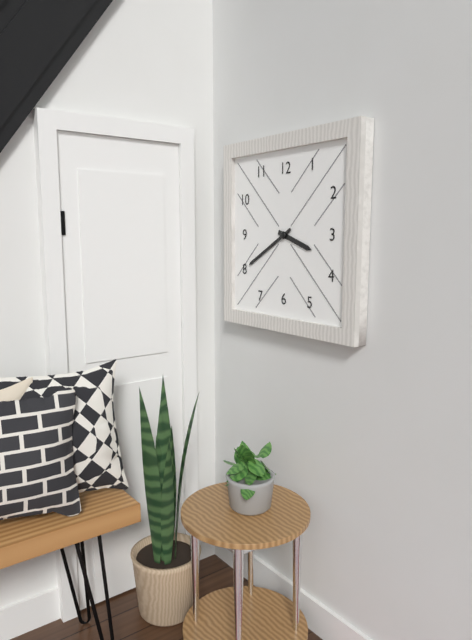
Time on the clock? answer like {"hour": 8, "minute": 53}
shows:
{"hour": 3, "minute": 40}
